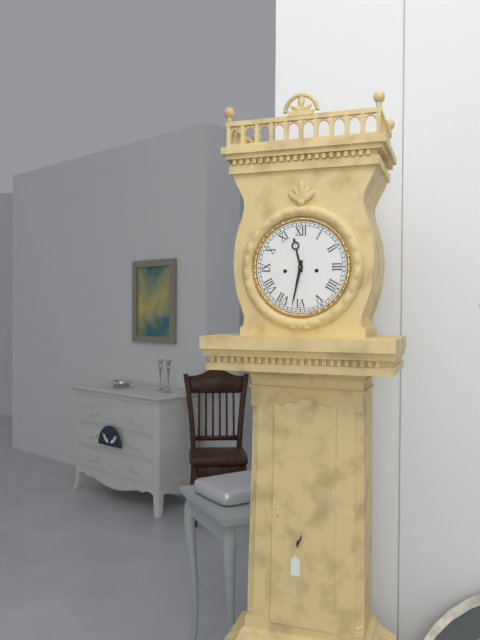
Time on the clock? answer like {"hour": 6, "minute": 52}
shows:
{"hour": 11, "minute": 32}
